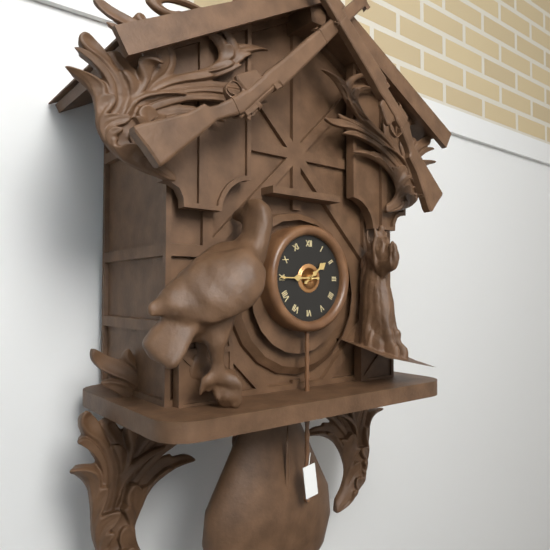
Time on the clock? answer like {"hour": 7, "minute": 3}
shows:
{"hour": 1, "minute": 45}
